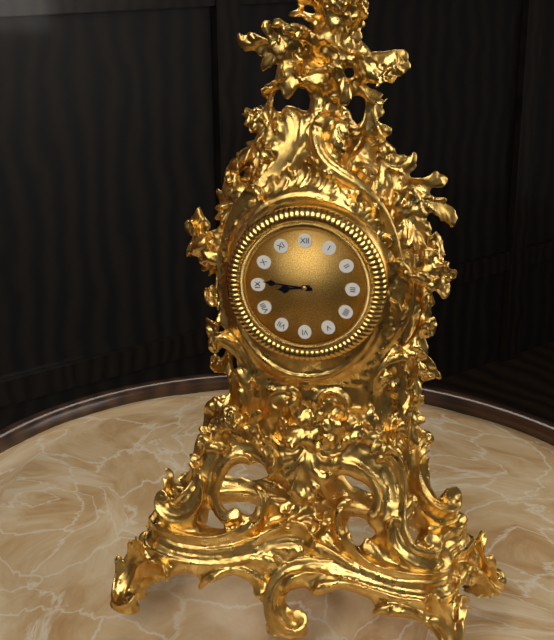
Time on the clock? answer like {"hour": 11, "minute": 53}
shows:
{"hour": 8, "minute": 46}
